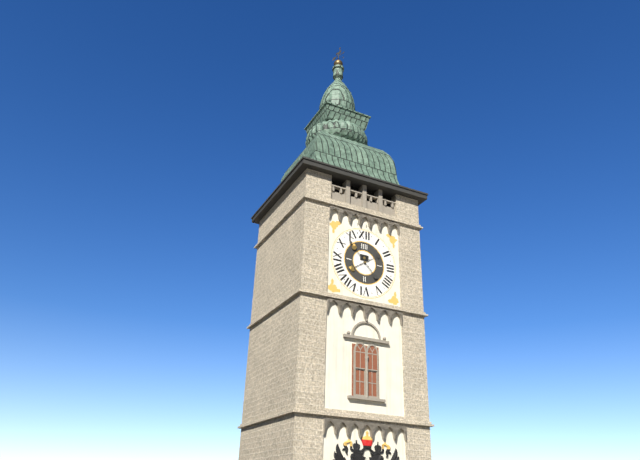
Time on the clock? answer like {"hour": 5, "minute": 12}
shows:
{"hour": 7, "minute": 53}
